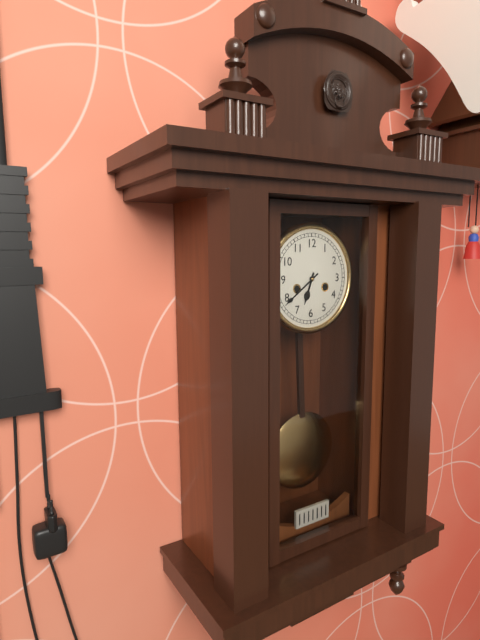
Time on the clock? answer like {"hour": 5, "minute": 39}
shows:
{"hour": 6, "minute": 39}
